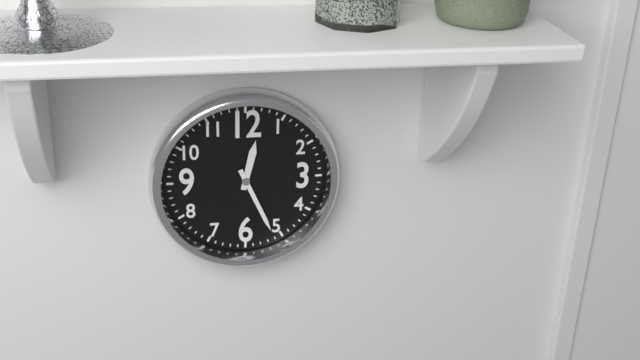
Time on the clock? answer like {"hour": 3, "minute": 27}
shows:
{"hour": 12, "minute": 26}
